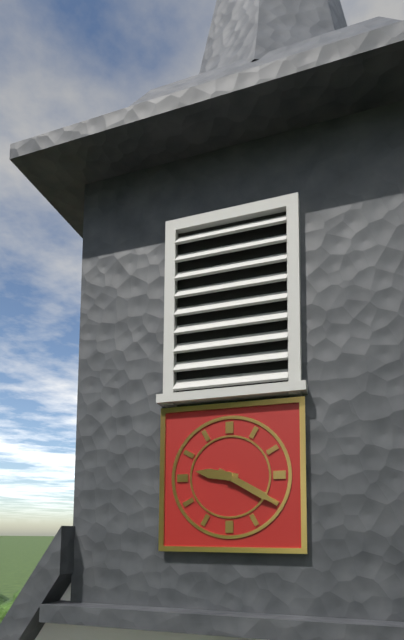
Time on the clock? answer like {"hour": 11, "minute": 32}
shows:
{"hour": 9, "minute": 20}
